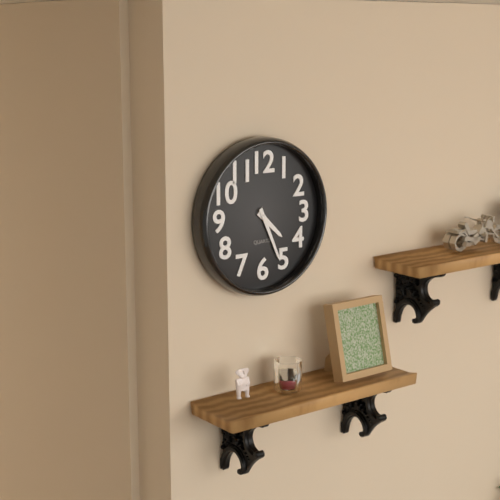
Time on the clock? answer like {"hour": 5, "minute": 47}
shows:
{"hour": 4, "minute": 26}
